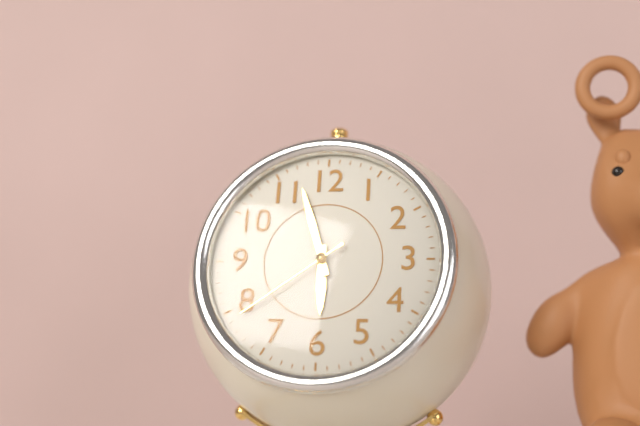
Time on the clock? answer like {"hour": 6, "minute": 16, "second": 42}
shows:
{"hour": 5, "minute": 57, "second": 39}
